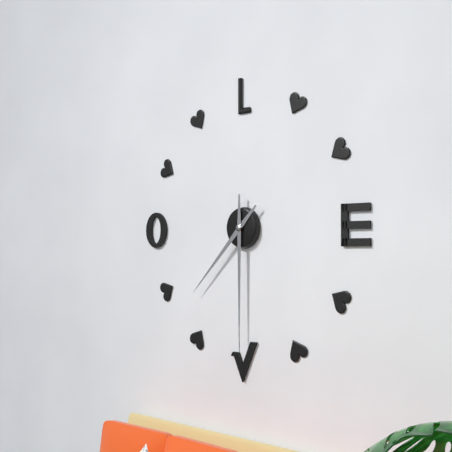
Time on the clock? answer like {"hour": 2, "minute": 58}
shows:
{"hour": 7, "minute": 30}
